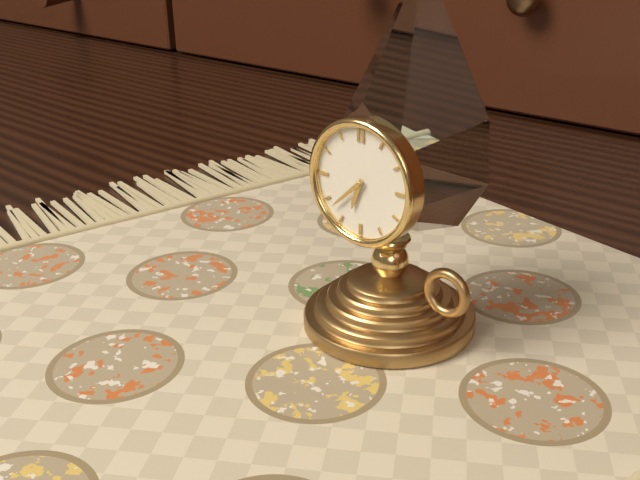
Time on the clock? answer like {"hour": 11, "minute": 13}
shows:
{"hour": 6, "minute": 38}
